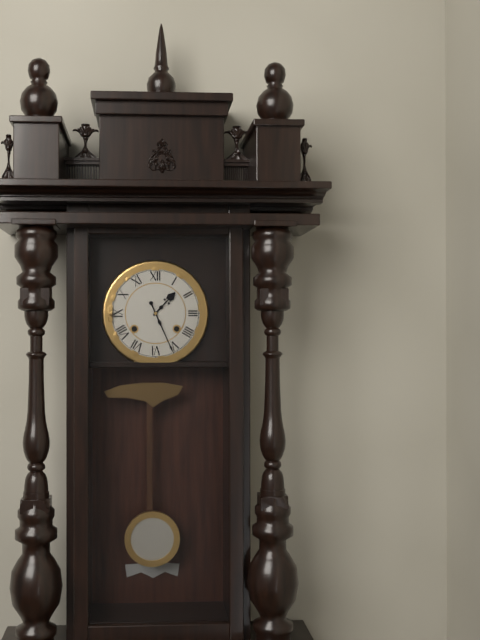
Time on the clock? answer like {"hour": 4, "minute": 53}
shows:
{"hour": 1, "minute": 26}
